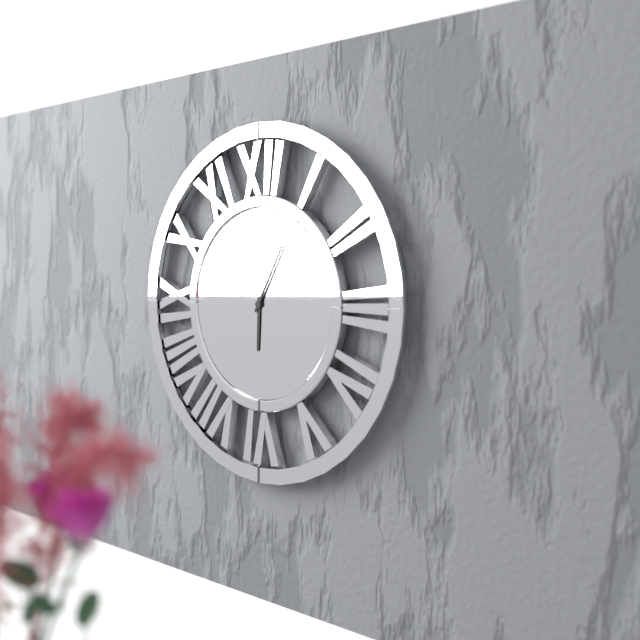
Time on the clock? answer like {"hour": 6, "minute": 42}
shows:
{"hour": 6, "minute": 5}
